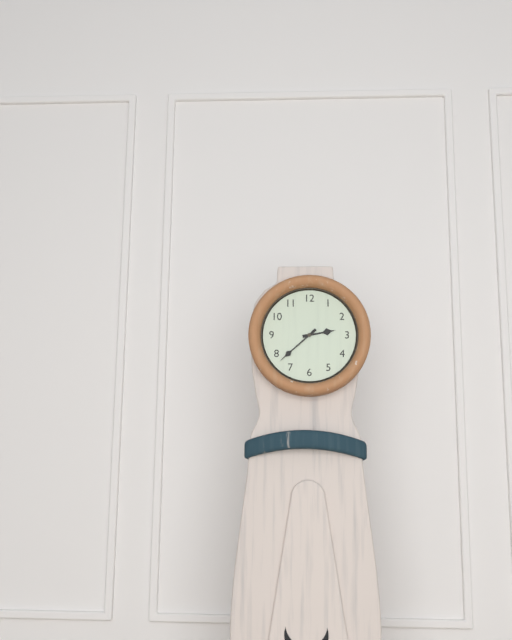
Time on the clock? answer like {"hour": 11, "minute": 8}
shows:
{"hour": 2, "minute": 38}
